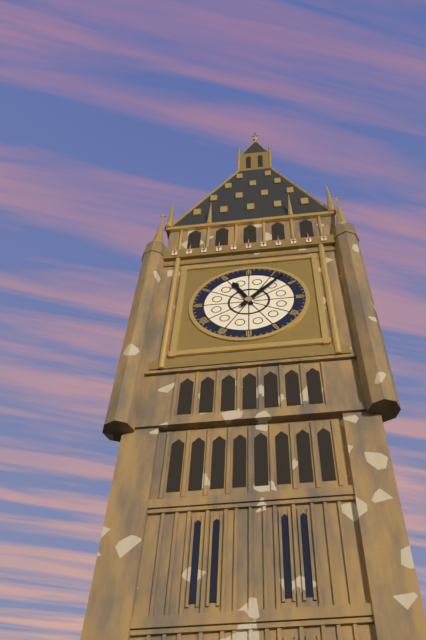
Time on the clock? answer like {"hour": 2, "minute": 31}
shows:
{"hour": 11, "minute": 7}
